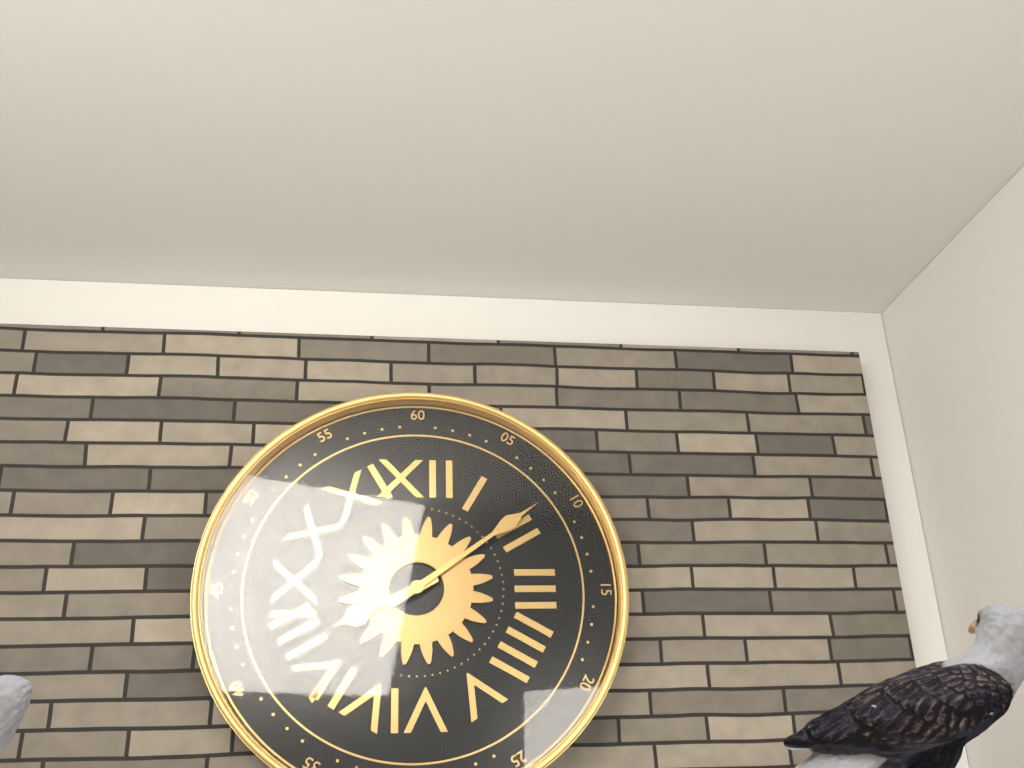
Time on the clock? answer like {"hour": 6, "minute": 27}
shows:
{"hour": 8, "minute": 9}
